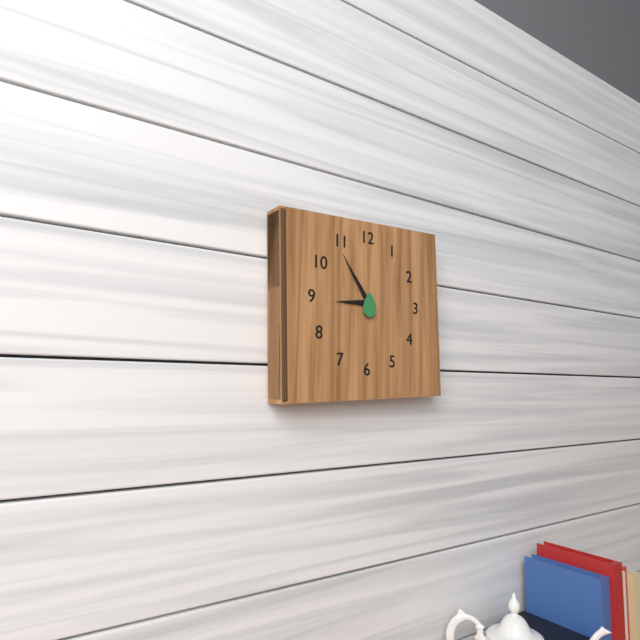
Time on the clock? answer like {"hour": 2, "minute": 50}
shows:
{"hour": 8, "minute": 54}
